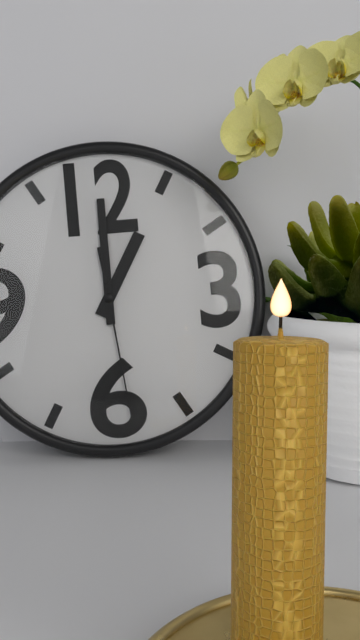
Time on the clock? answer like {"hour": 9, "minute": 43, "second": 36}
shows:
{"hour": 1, "minute": 0, "second": 29}
